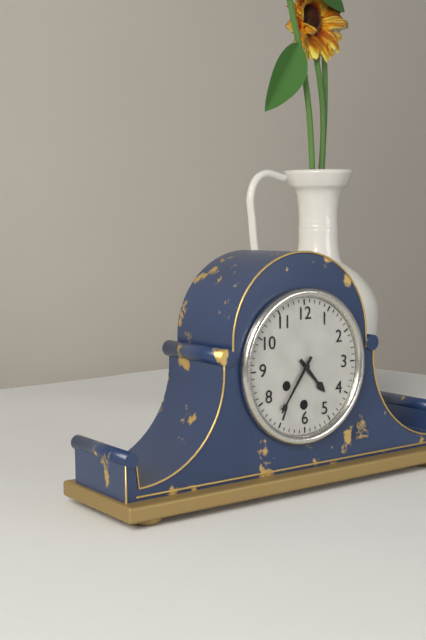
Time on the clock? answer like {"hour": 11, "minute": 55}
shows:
{"hour": 4, "minute": 36}
